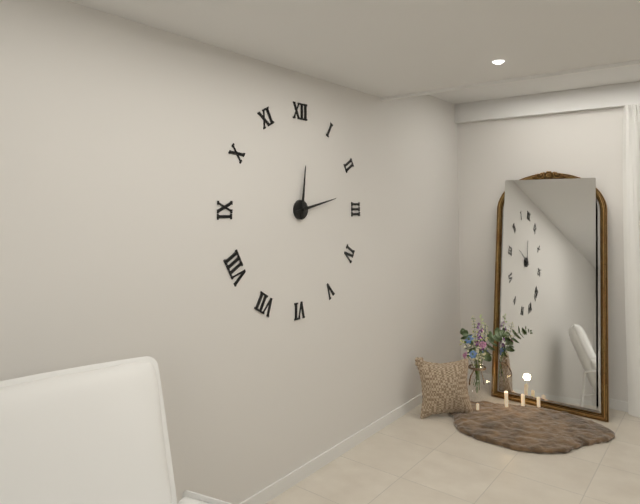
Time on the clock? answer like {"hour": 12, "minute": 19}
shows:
{"hour": 12, "minute": 13}
